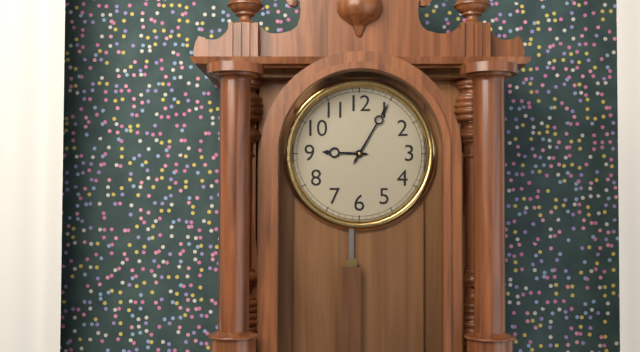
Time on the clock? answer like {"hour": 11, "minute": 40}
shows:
{"hour": 9, "minute": 5}
